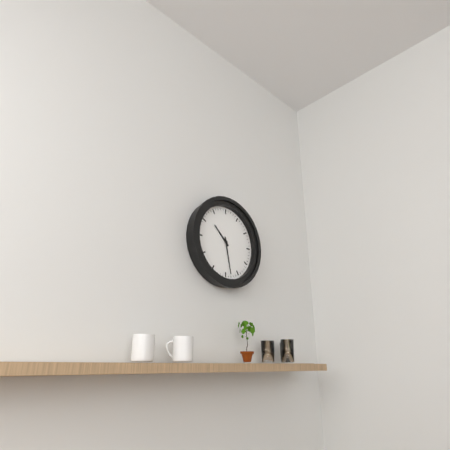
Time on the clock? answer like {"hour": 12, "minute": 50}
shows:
{"hour": 10, "minute": 28}
